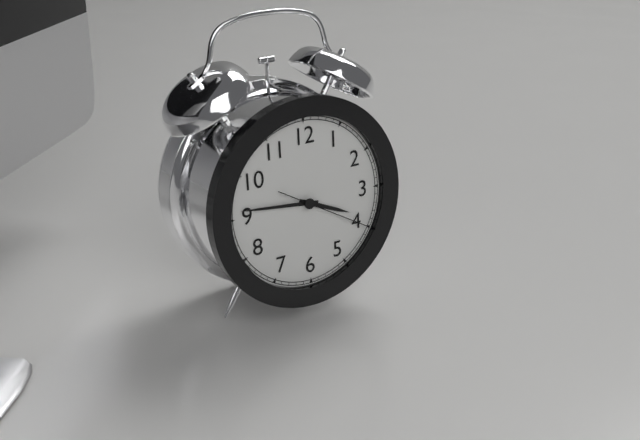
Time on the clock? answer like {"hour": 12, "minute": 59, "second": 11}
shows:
{"hour": 3, "minute": 46, "second": 20}
